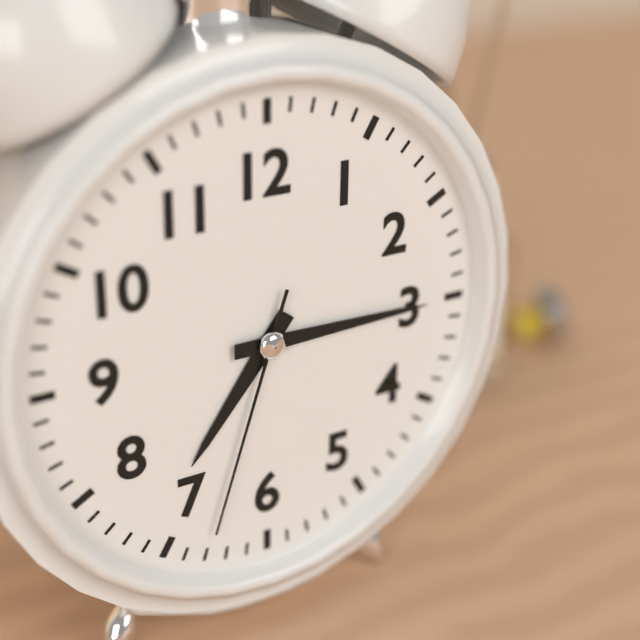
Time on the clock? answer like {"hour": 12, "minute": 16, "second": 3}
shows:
{"hour": 7, "minute": 15, "second": 33}
